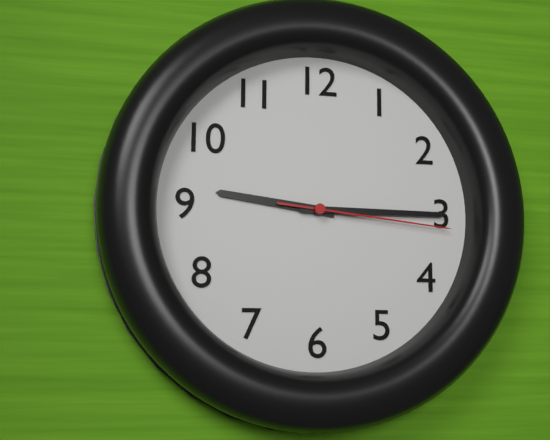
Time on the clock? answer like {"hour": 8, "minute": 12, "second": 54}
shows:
{"hour": 9, "minute": 15, "second": 16}
